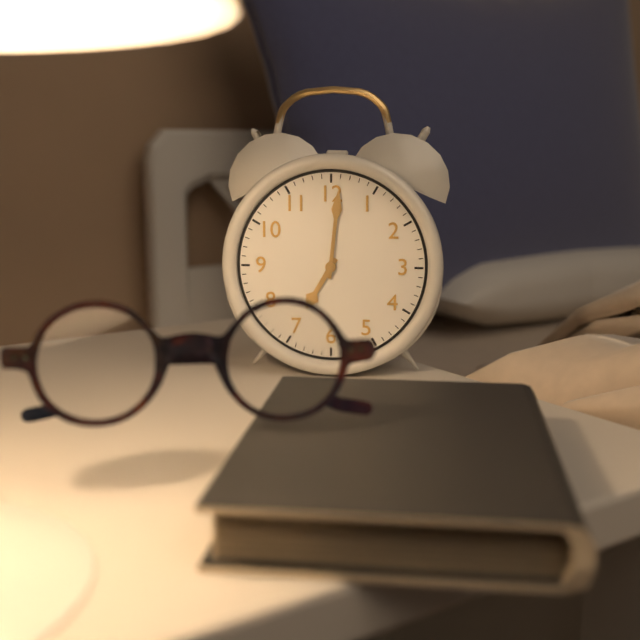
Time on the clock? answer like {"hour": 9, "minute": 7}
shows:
{"hour": 7, "minute": 1}
